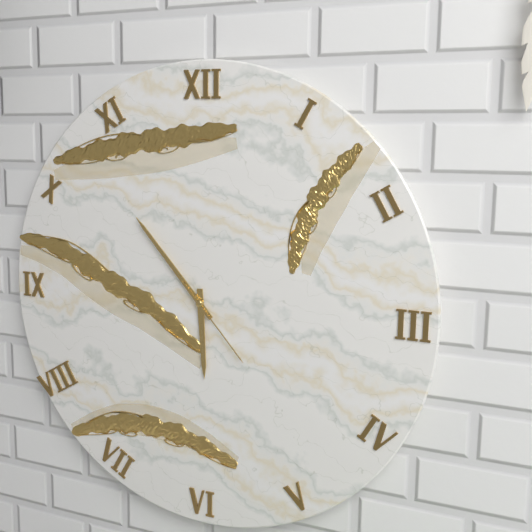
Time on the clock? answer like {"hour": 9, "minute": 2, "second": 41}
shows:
{"hour": 5, "minute": 53, "second": 23}
